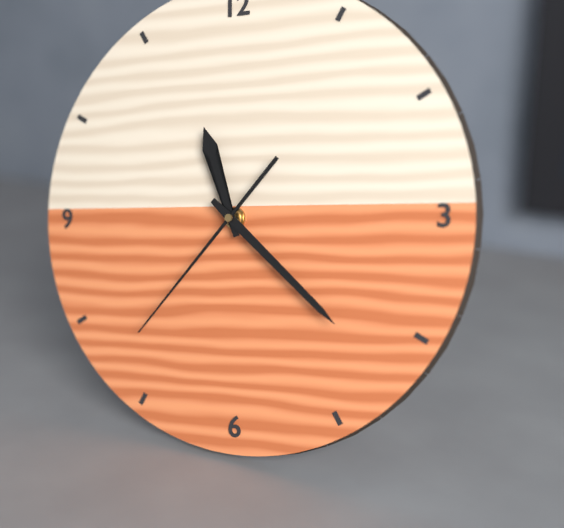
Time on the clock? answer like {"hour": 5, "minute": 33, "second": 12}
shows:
{"hour": 11, "minute": 22, "second": 37}
